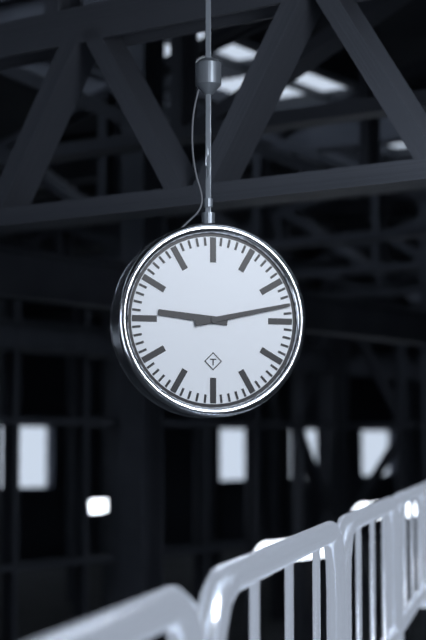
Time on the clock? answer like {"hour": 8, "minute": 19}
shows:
{"hour": 9, "minute": 13}
